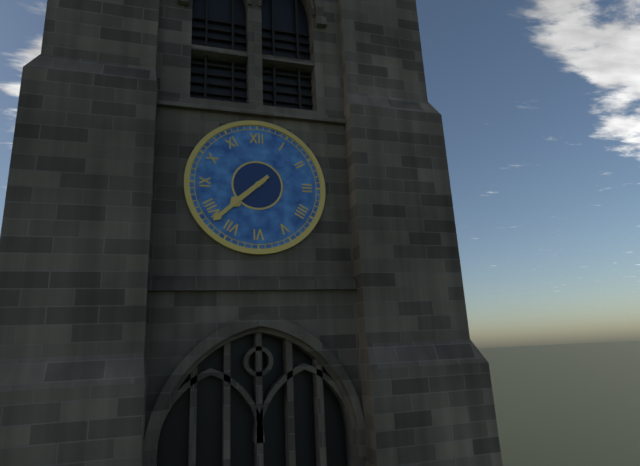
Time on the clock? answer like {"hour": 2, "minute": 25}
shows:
{"hour": 7, "minute": 38}
